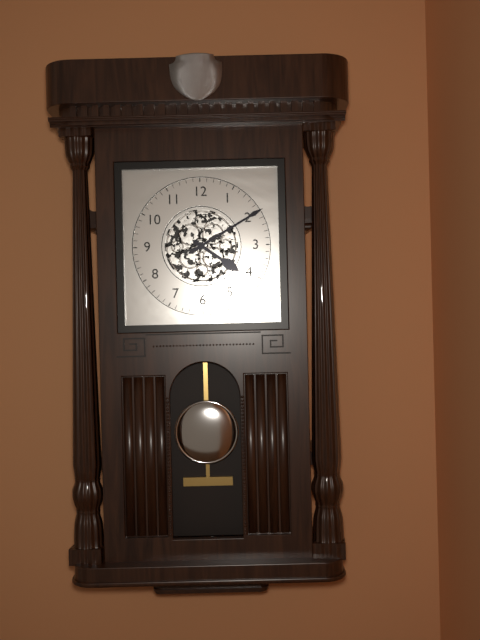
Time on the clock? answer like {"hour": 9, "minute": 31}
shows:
{"hour": 4, "minute": 10}
